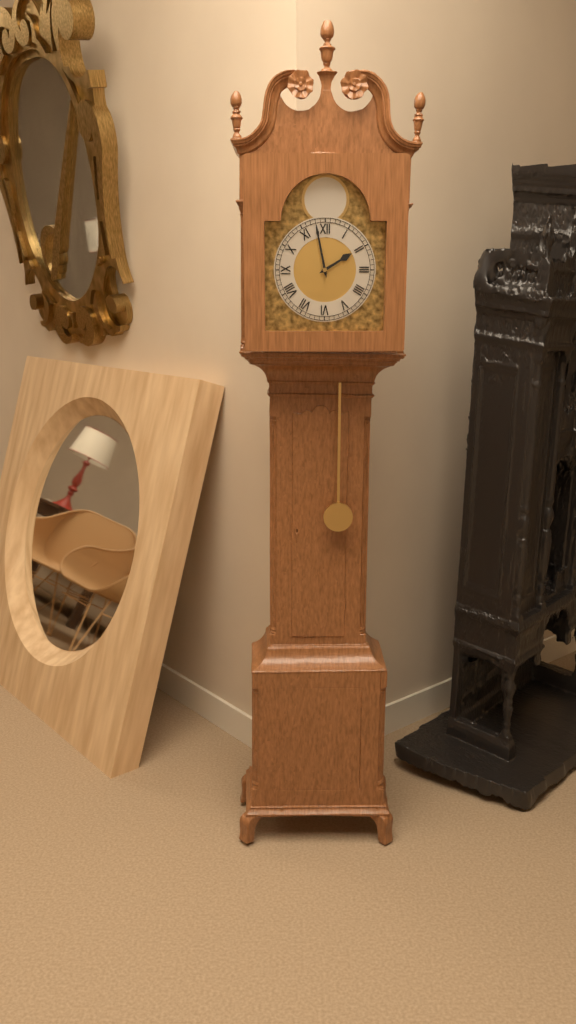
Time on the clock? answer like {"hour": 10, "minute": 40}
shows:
{"hour": 1, "minute": 58}
